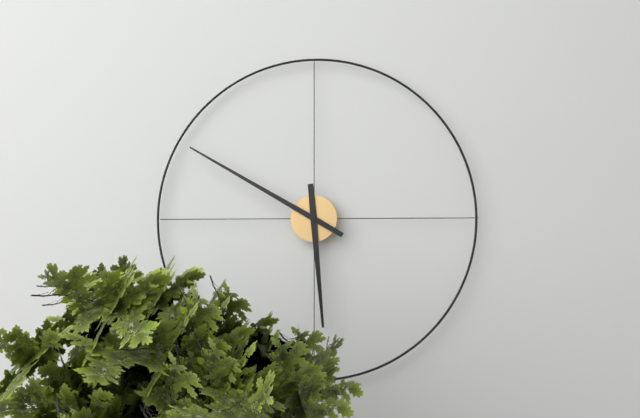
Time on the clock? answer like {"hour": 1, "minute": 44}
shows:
{"hour": 5, "minute": 50}
